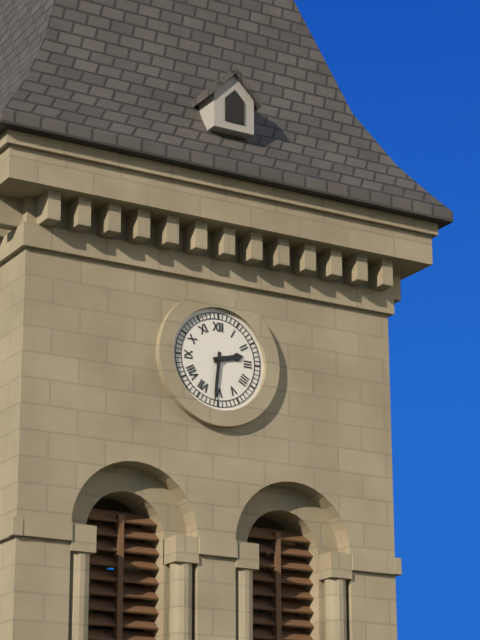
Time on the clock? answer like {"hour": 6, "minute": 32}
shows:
{"hour": 2, "minute": 31}
